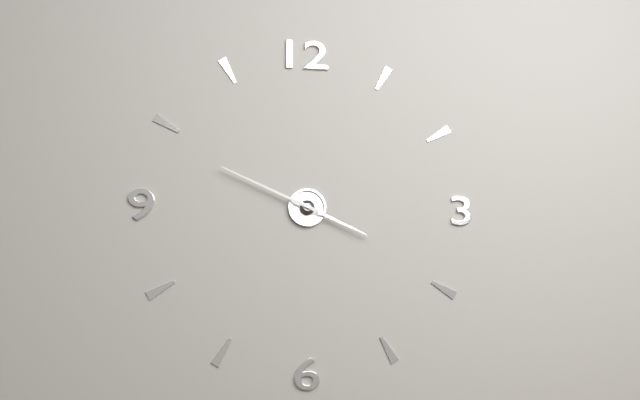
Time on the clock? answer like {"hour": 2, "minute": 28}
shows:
{"hour": 3, "minute": 49}
